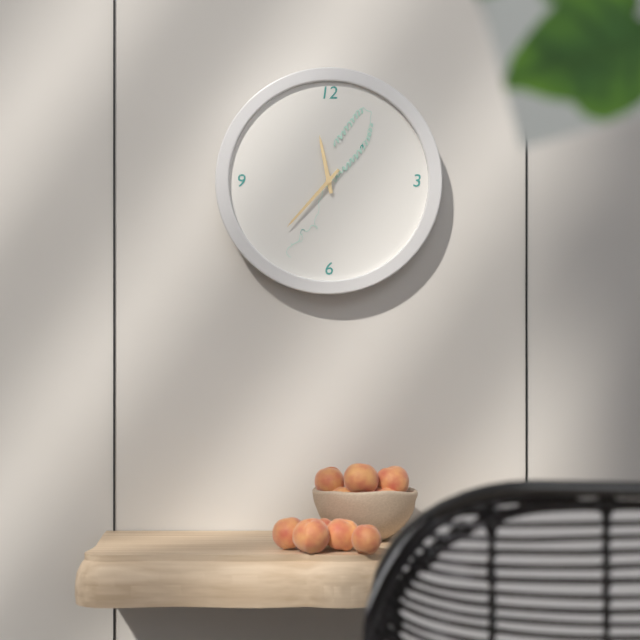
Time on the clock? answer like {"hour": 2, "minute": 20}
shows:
{"hour": 11, "minute": 37}
